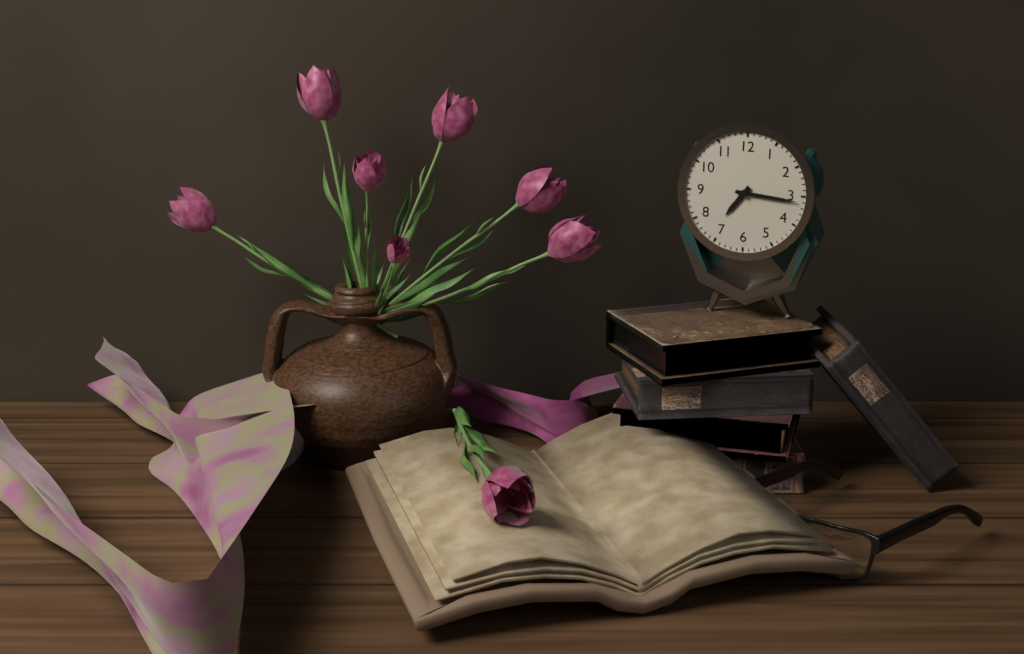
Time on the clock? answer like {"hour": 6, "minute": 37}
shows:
{"hour": 7, "minute": 16}
